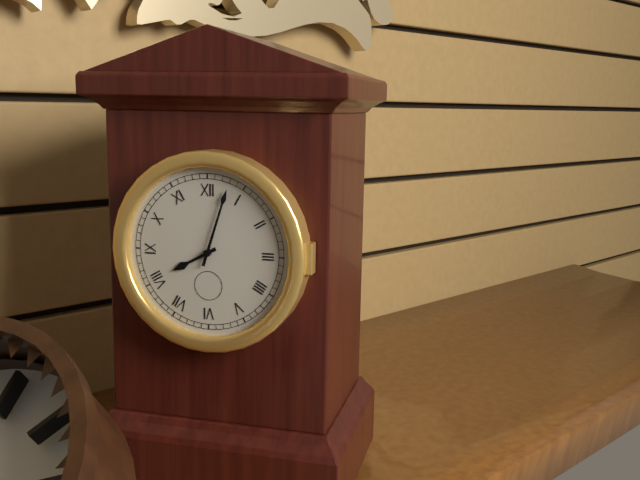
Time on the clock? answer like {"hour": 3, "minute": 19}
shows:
{"hour": 8, "minute": 3}
